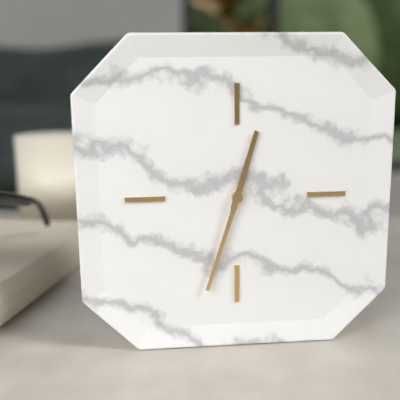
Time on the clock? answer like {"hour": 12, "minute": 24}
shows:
{"hour": 12, "minute": 33}
